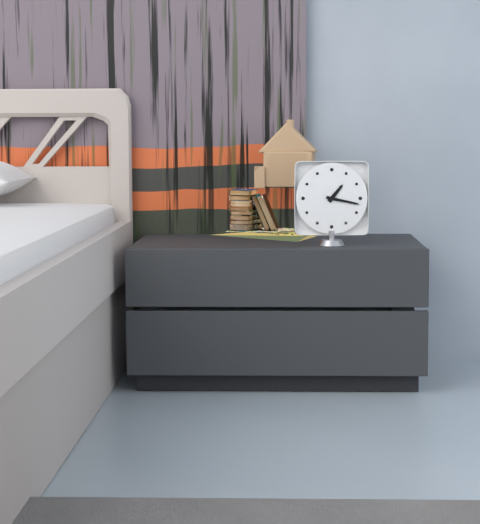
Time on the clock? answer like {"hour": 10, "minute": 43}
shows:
{"hour": 1, "minute": 17}
